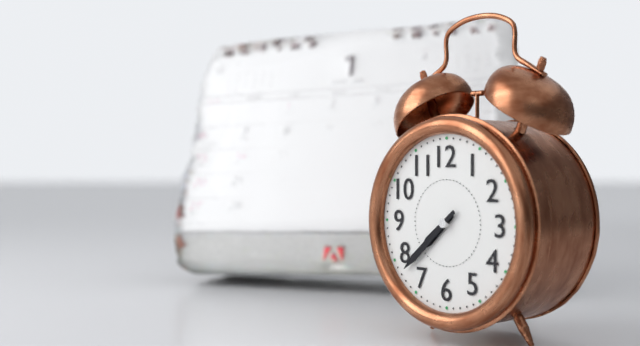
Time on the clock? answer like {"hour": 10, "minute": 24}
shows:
{"hour": 7, "minute": 38}
